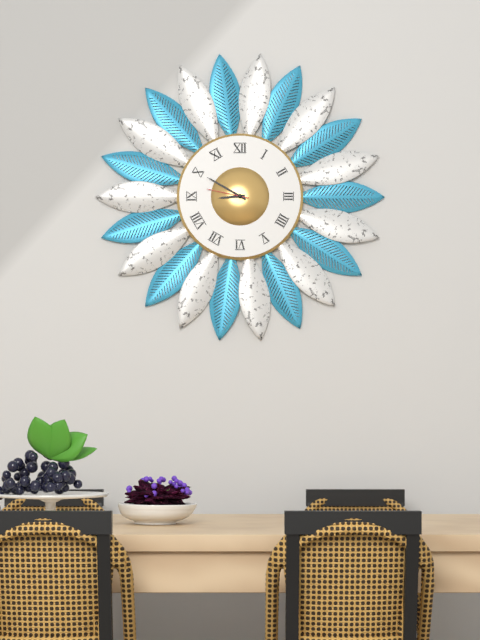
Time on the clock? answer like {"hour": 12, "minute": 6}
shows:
{"hour": 8, "minute": 50}
